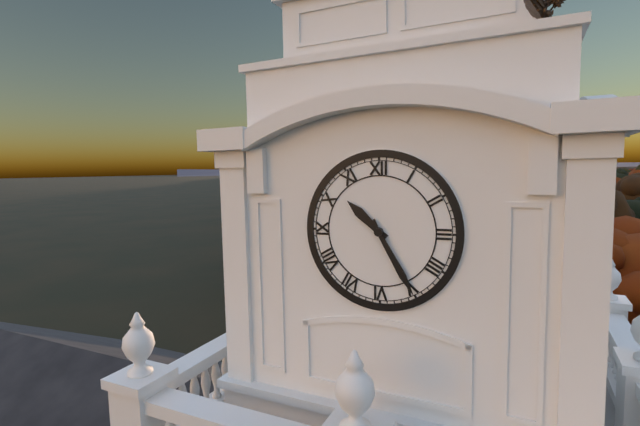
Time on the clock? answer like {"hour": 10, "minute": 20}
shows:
{"hour": 10, "minute": 25}
